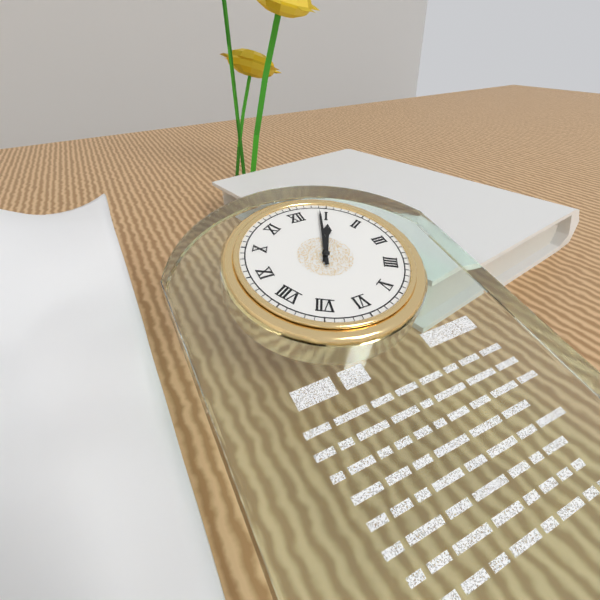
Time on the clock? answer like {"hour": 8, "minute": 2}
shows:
{"hour": 1, "minute": 4}
